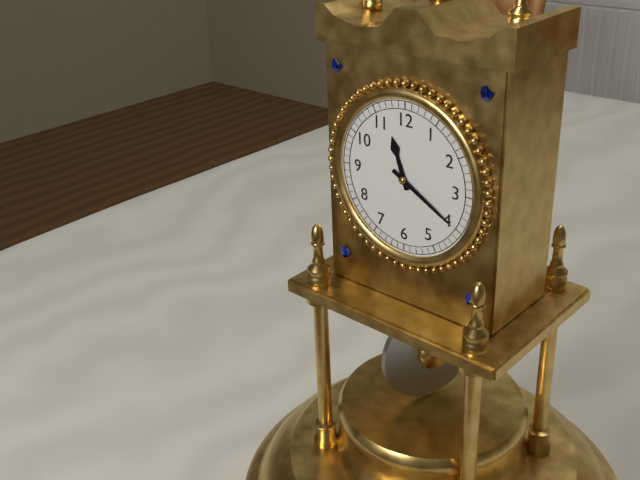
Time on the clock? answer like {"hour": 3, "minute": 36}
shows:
{"hour": 11, "minute": 20}
